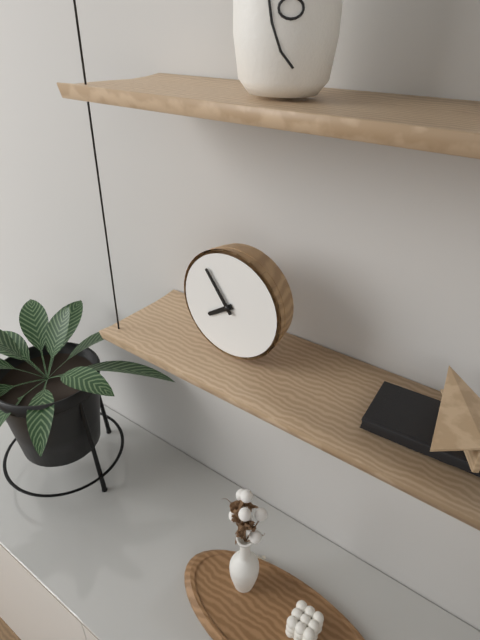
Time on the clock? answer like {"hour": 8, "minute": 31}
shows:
{"hour": 7, "minute": 54}
